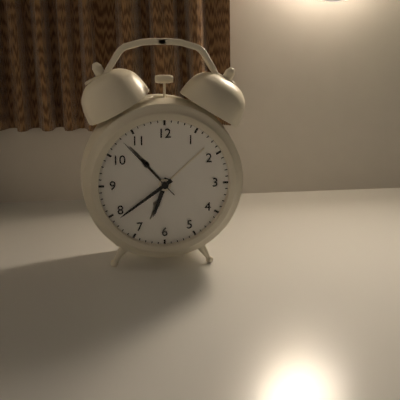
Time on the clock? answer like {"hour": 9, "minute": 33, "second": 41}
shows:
{"hour": 6, "minute": 39, "second": 53}
